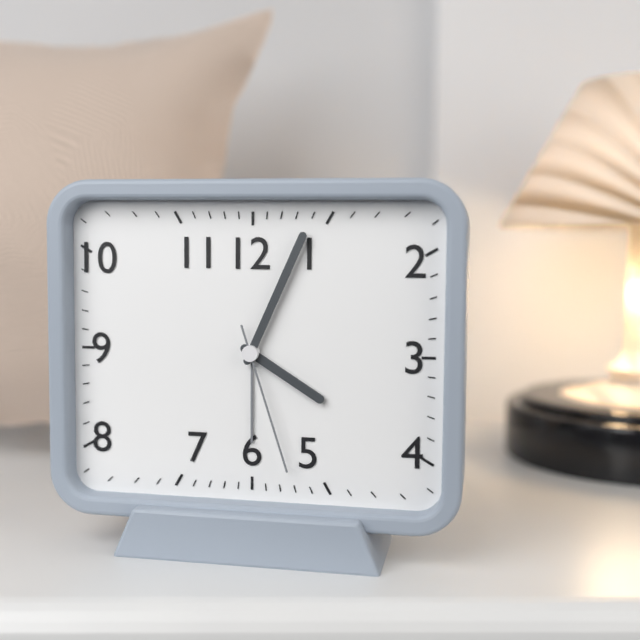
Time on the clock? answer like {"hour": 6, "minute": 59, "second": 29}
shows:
{"hour": 4, "minute": 4, "second": 27}
